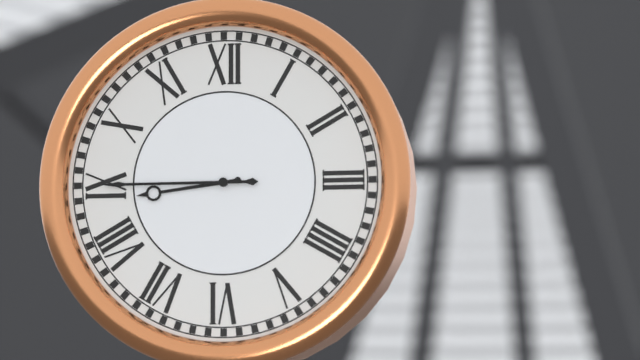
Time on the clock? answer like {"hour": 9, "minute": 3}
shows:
{"hour": 8, "minute": 45}
